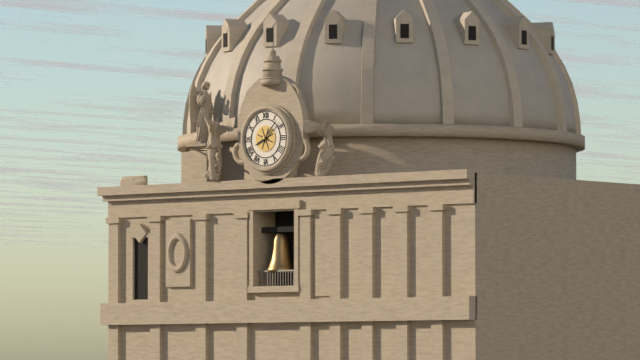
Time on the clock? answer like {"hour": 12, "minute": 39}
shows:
{"hour": 8, "minute": 7}
